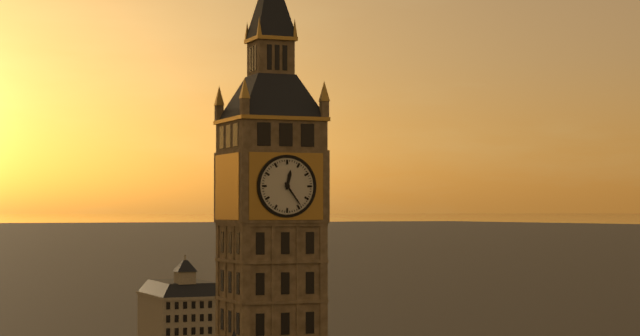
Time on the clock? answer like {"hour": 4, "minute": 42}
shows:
{"hour": 12, "minute": 24}
